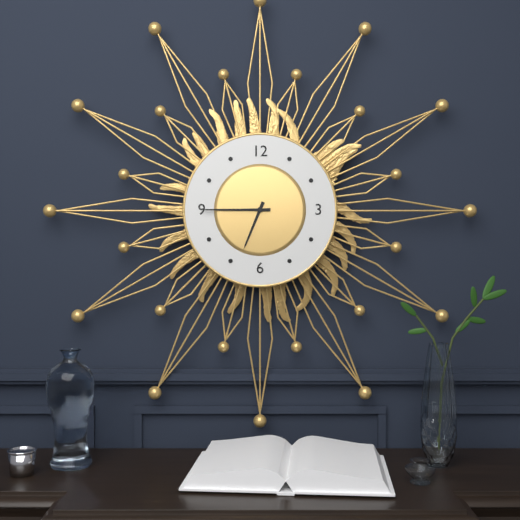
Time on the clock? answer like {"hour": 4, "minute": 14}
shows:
{"hour": 6, "minute": 45}
